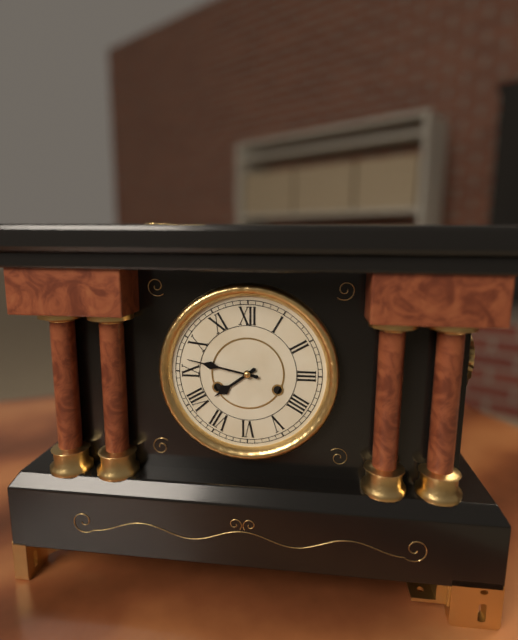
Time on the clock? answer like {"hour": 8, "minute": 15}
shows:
{"hour": 7, "minute": 47}
